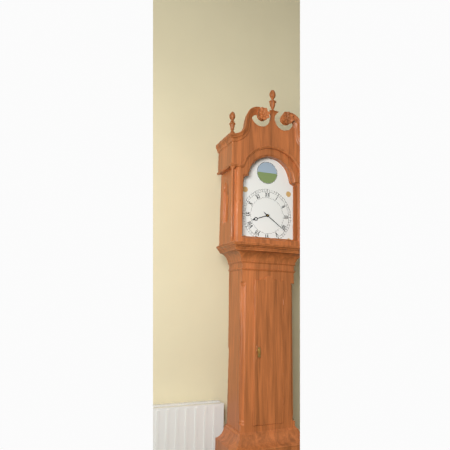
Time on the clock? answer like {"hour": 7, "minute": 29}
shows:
{"hour": 8, "minute": 21}
